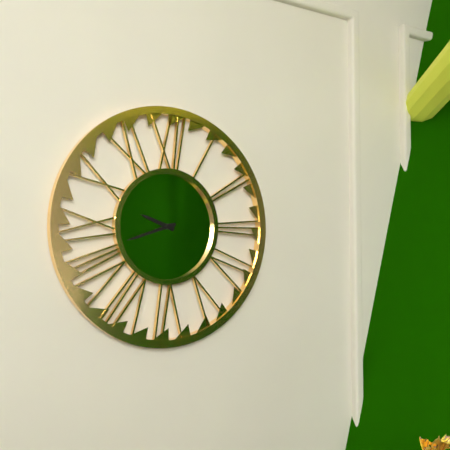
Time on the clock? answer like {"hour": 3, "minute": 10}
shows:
{"hour": 9, "minute": 42}
